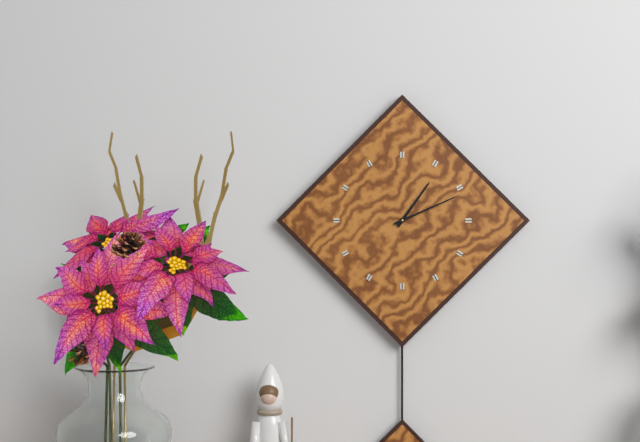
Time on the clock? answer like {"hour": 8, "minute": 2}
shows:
{"hour": 1, "minute": 11}
